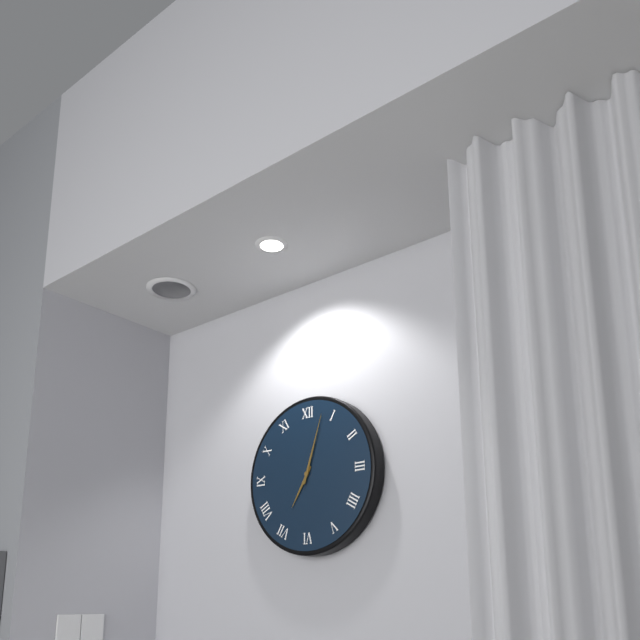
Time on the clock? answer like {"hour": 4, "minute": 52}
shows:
{"hour": 7, "minute": 3}
